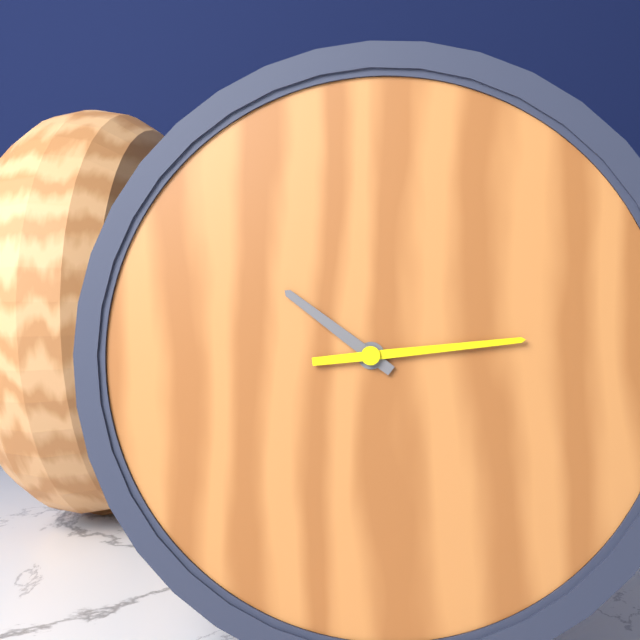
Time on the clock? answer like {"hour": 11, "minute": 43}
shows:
{"hour": 10, "minute": 14}
